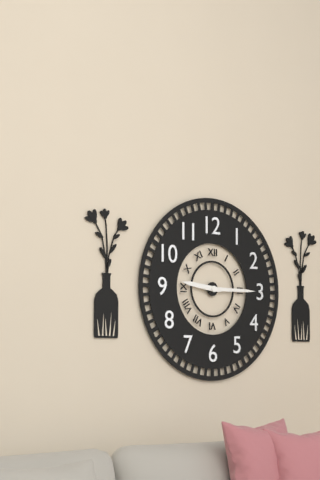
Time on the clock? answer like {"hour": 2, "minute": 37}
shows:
{"hour": 9, "minute": 15}
